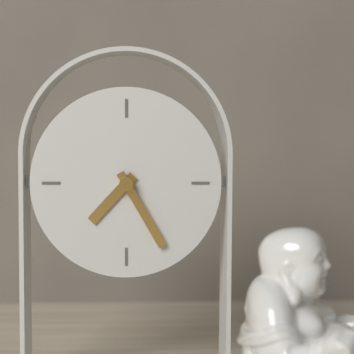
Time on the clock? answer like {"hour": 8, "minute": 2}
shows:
{"hour": 7, "minute": 25}
